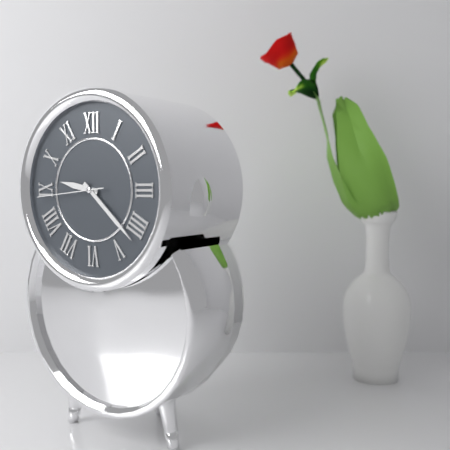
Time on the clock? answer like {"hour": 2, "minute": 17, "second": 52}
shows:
{"hour": 9, "minute": 22, "second": 44}
